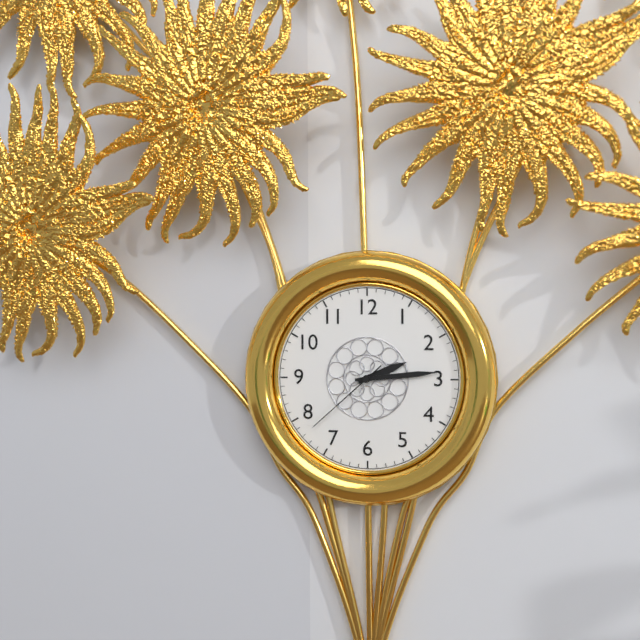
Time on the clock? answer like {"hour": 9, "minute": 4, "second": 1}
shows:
{"hour": 2, "minute": 14, "second": 38}
